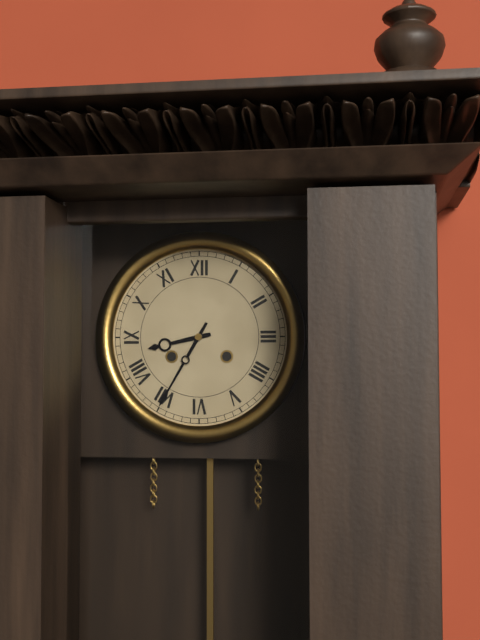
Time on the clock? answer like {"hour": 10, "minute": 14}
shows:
{"hour": 8, "minute": 35}
